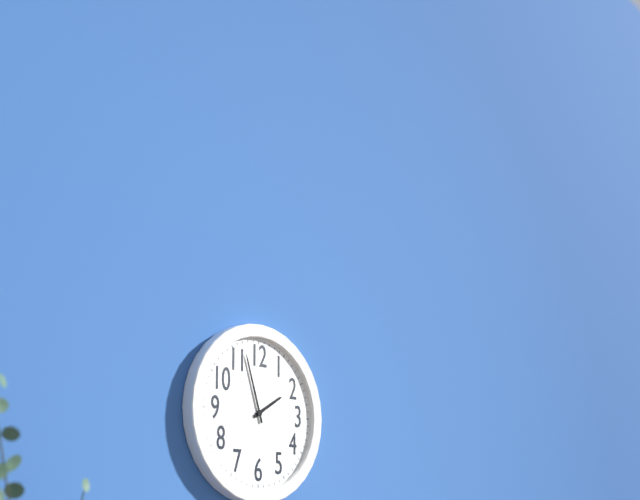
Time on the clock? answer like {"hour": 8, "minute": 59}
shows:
{"hour": 1, "minute": 57}
